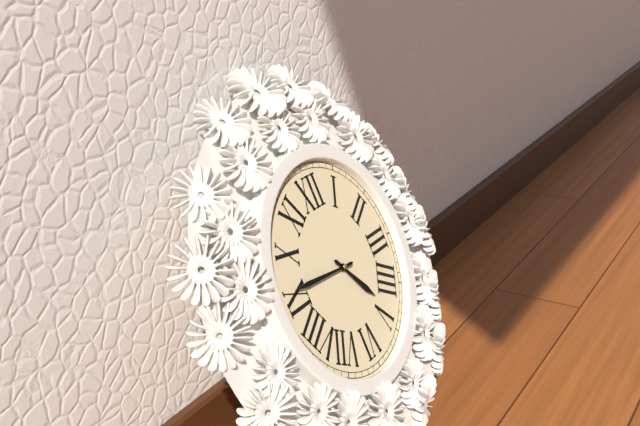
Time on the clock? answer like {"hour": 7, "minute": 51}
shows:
{"hour": 4, "minute": 46}
